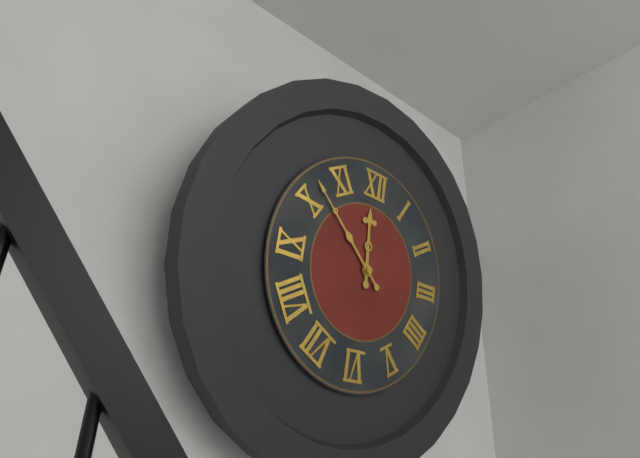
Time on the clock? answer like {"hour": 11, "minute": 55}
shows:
{"hour": 11, "minute": 52}
